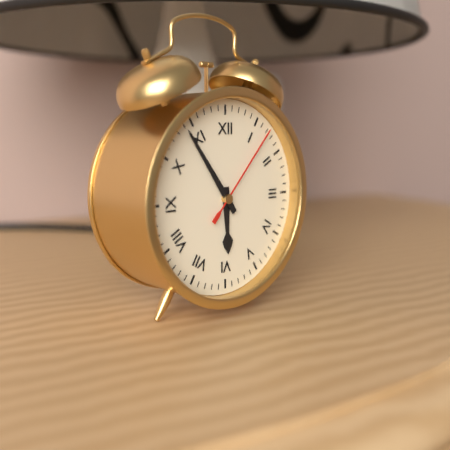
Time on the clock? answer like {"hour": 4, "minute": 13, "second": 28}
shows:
{"hour": 5, "minute": 54, "second": 7}
